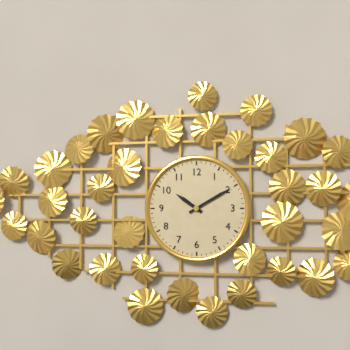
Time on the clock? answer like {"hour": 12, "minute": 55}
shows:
{"hour": 10, "minute": 10}
